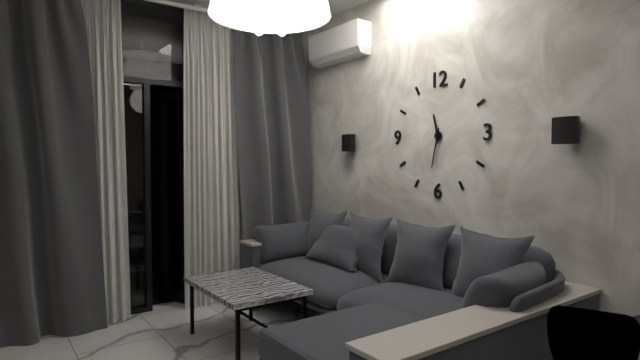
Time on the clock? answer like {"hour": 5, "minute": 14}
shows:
{"hour": 11, "minute": 32}
